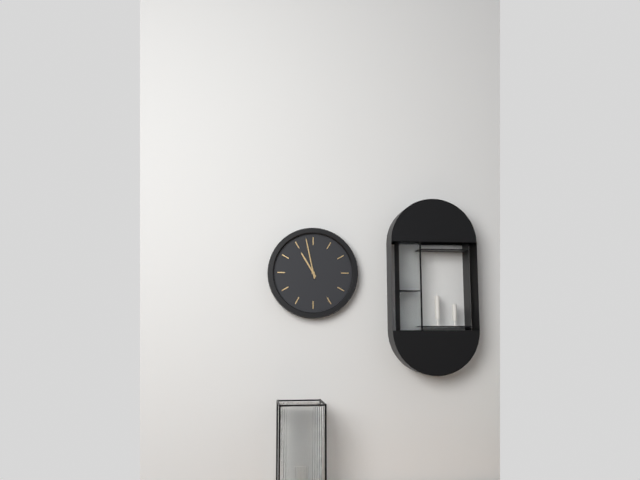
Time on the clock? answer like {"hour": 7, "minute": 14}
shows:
{"hour": 10, "minute": 58}
